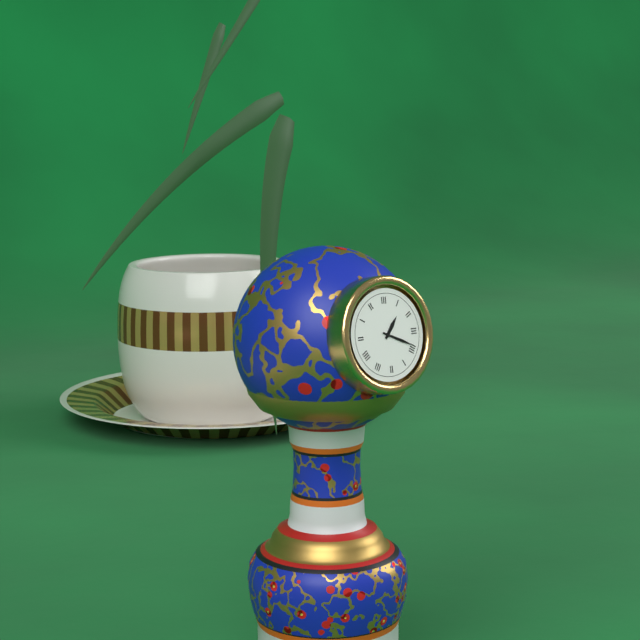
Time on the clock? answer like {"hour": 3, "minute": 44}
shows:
{"hour": 1, "minute": 19}
